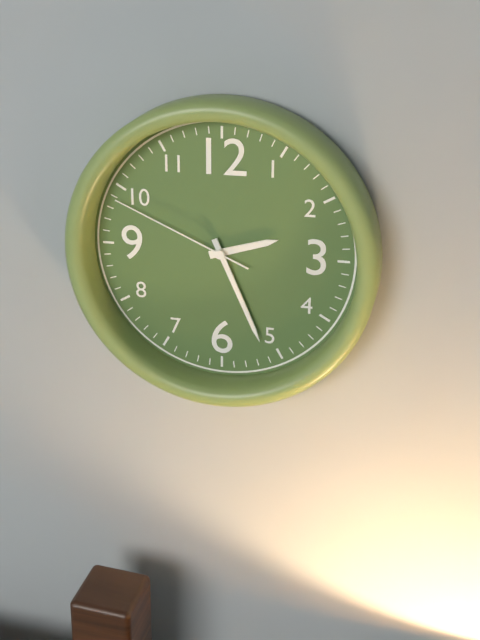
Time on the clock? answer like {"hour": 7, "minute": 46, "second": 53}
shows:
{"hour": 2, "minute": 26, "second": 49}
